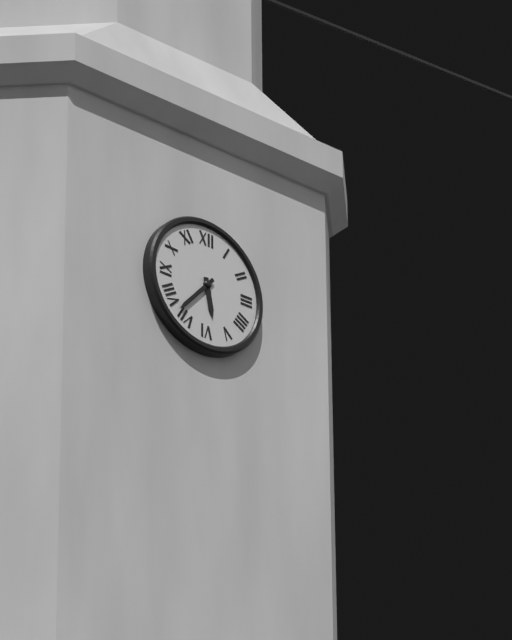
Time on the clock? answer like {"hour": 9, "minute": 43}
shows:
{"hour": 5, "minute": 37}
